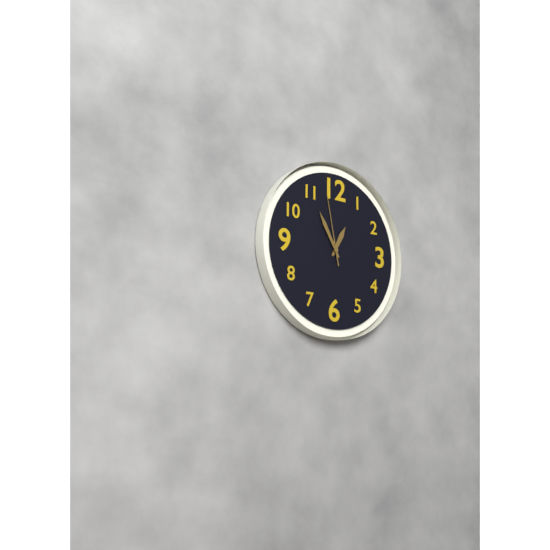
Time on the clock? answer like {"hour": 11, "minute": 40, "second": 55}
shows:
{"hour": 12, "minute": 55, "second": 58}
